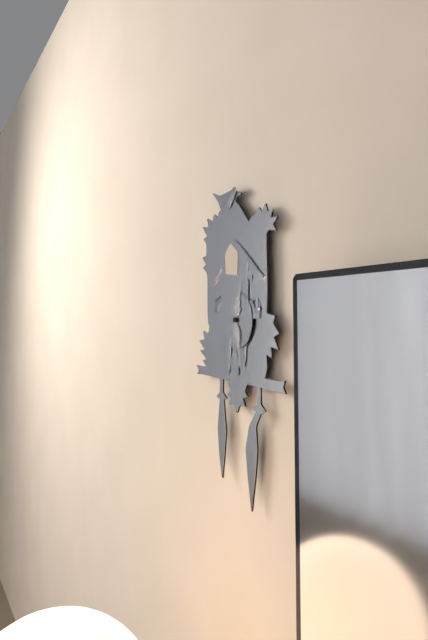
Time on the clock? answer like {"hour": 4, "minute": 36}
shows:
{"hour": 12, "minute": 28}
